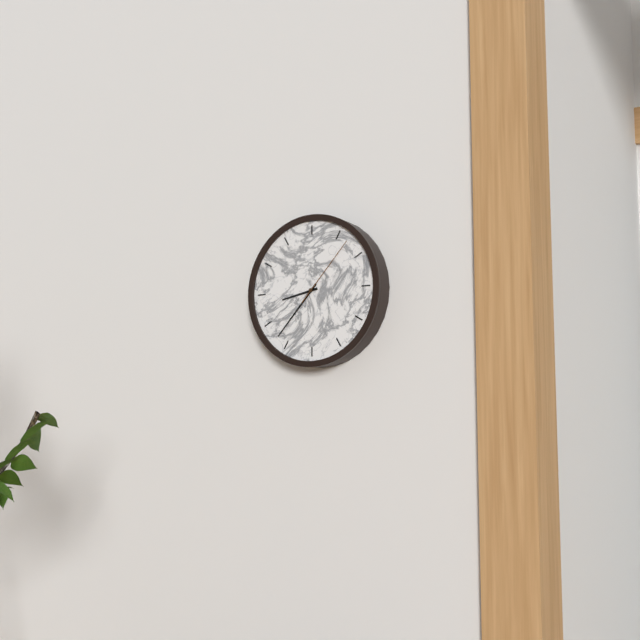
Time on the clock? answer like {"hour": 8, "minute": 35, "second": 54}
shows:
{"hour": 8, "minute": 37, "second": 7}
